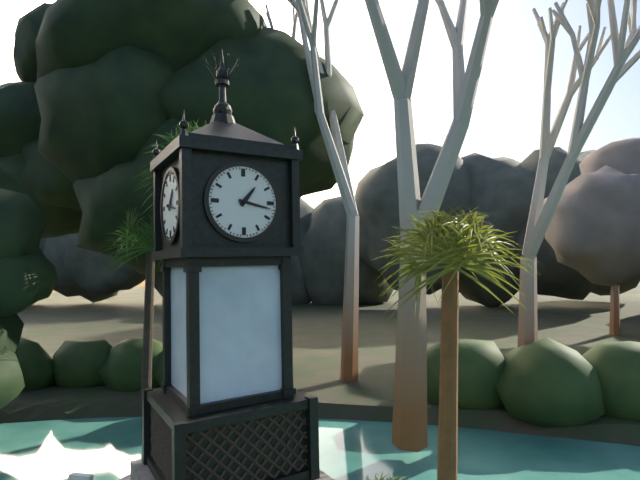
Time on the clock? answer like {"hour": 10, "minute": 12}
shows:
{"hour": 1, "minute": 17}
